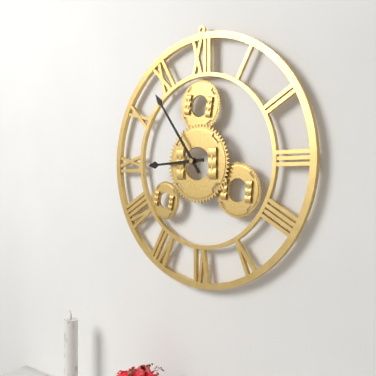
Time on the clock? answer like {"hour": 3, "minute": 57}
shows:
{"hour": 8, "minute": 54}
